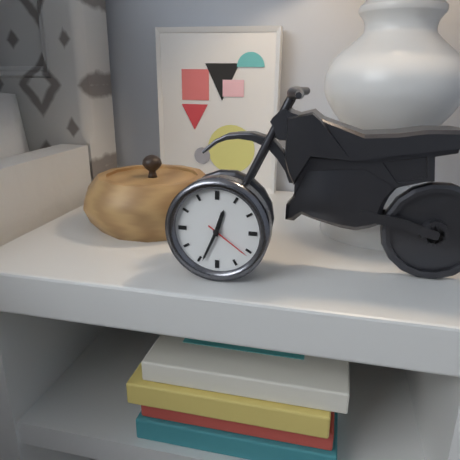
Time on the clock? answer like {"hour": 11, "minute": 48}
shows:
{"hour": 12, "minute": 34}
